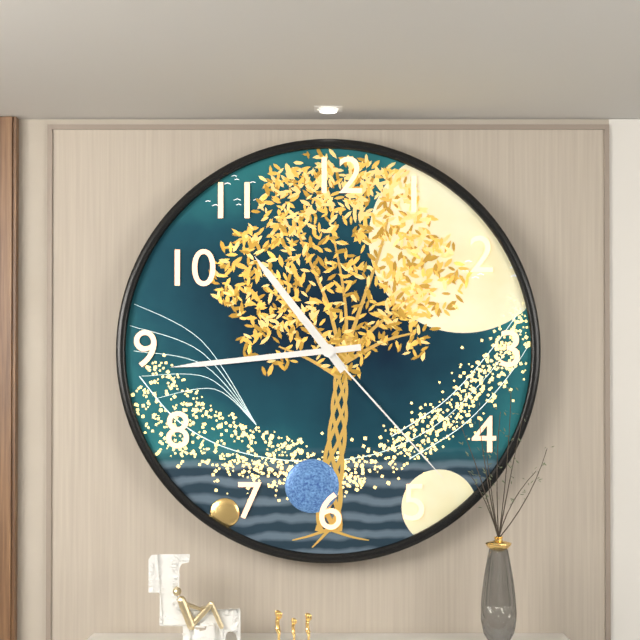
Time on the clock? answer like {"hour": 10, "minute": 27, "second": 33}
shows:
{"hour": 10, "minute": 44, "second": 23}
